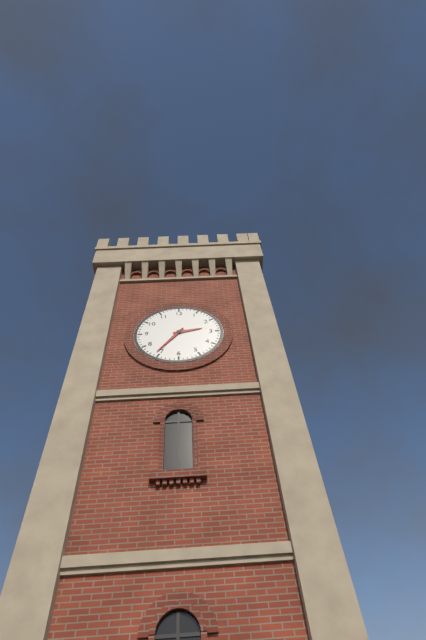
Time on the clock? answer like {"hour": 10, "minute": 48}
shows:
{"hour": 2, "minute": 36}
